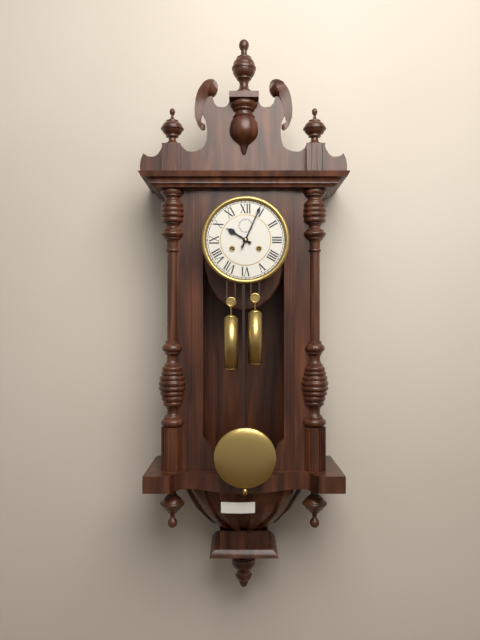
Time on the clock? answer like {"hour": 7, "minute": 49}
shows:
{"hour": 10, "minute": 4}
